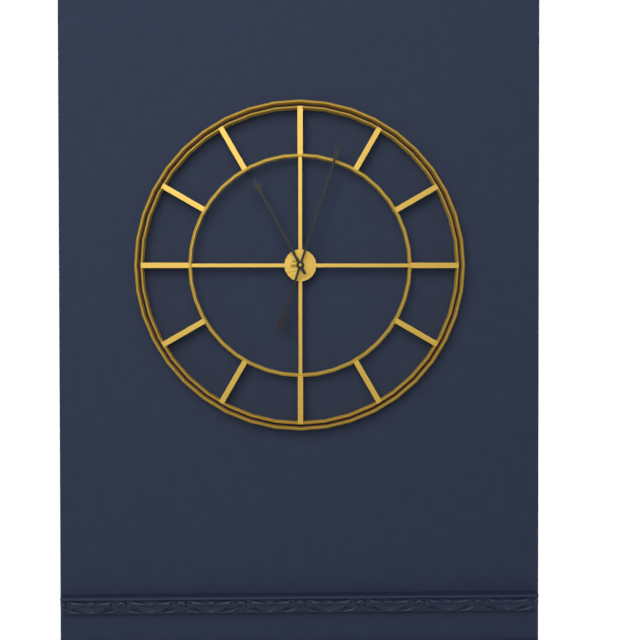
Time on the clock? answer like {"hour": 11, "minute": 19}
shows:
{"hour": 11, "minute": 3}
